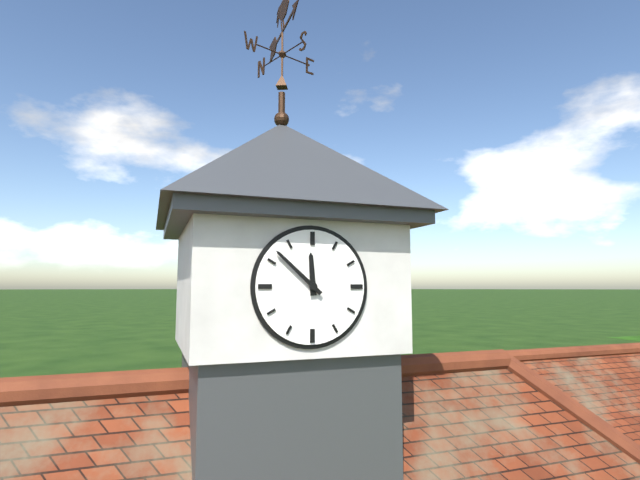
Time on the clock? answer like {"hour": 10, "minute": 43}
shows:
{"hour": 11, "minute": 52}
